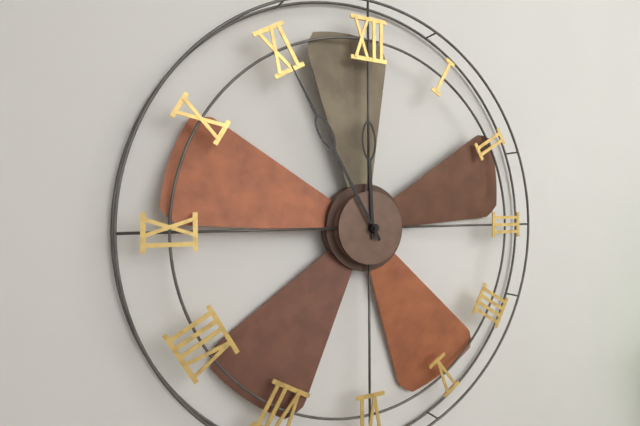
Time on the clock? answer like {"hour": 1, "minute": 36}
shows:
{"hour": 11, "minute": 55}
